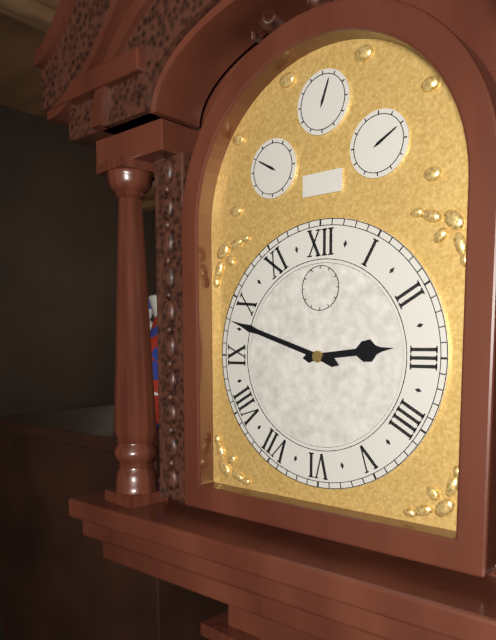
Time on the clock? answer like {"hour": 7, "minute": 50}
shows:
{"hour": 2, "minute": 48}
